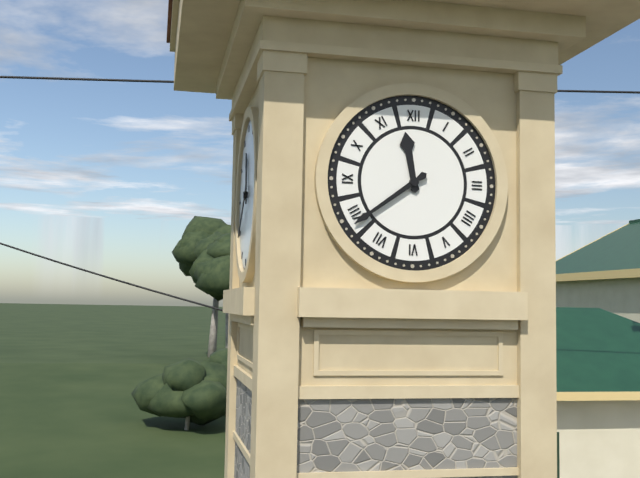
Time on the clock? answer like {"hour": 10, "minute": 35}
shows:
{"hour": 11, "minute": 39}
